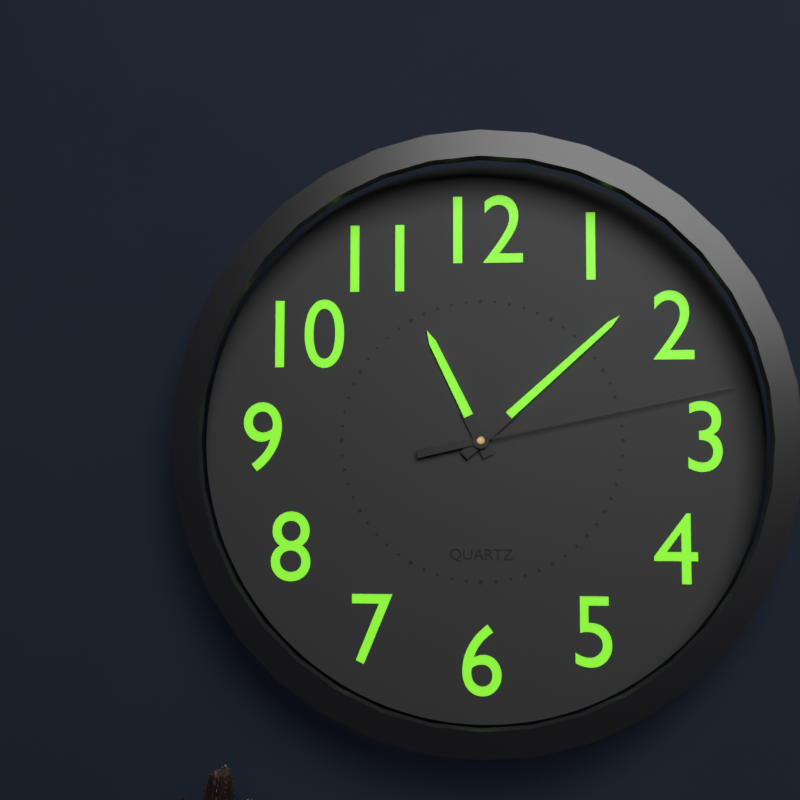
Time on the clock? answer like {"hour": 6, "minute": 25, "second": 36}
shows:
{"hour": 11, "minute": 8, "second": 13}
